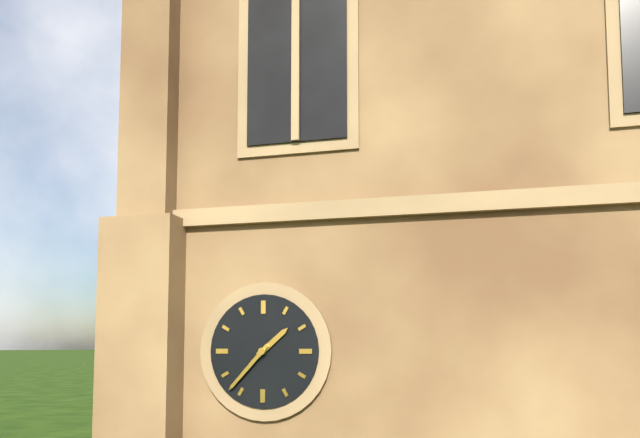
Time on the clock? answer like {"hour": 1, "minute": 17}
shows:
{"hour": 1, "minute": 37}
